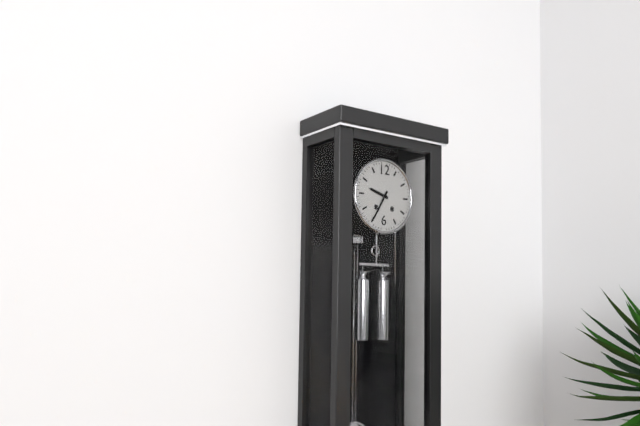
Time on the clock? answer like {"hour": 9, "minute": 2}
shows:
{"hour": 9, "minute": 35}
